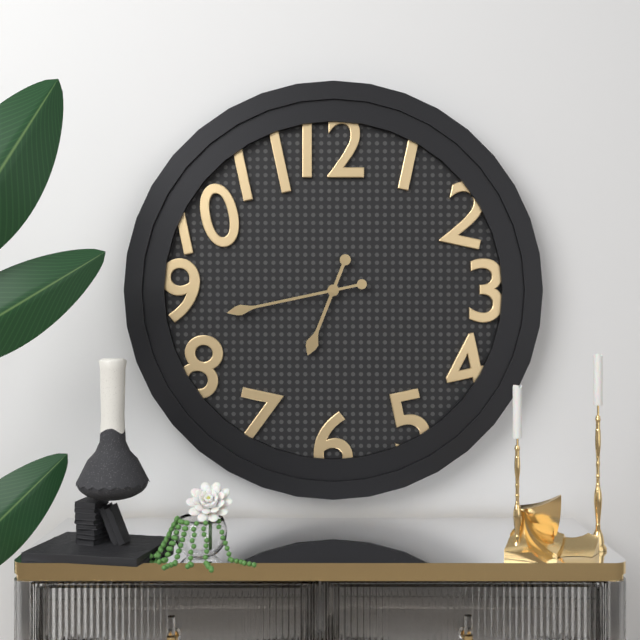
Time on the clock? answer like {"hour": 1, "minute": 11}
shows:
{"hour": 6, "minute": 43}
